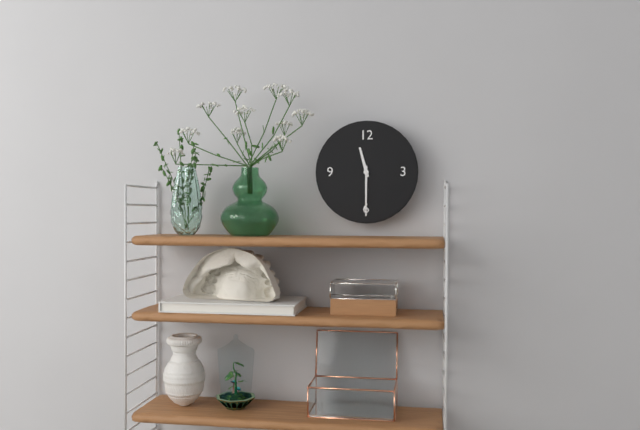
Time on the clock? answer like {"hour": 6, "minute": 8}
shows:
{"hour": 11, "minute": 30}
